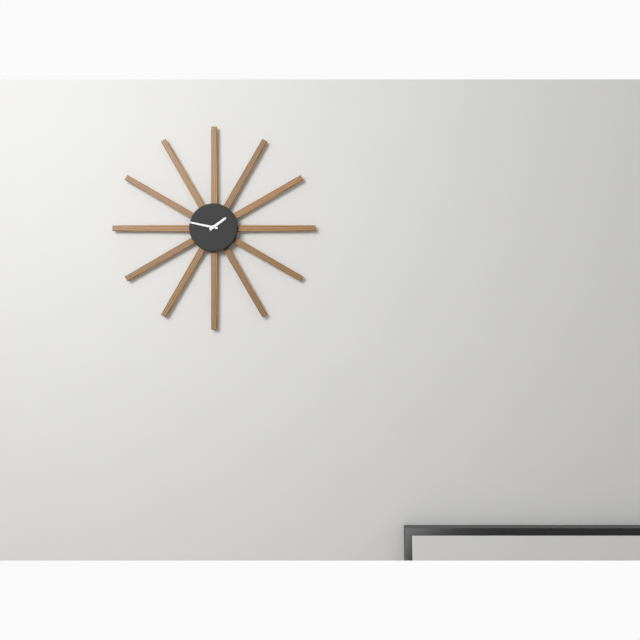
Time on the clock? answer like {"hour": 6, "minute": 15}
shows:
{"hour": 1, "minute": 47}
